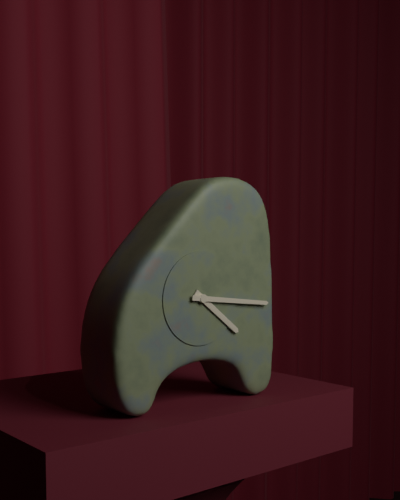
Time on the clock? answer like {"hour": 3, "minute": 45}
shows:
{"hour": 4, "minute": 16}
